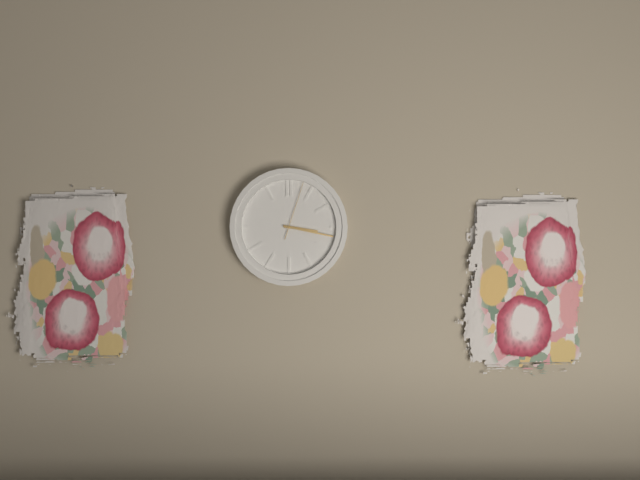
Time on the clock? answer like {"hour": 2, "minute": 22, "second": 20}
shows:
{"hour": 3, "minute": 17, "second": 3}
